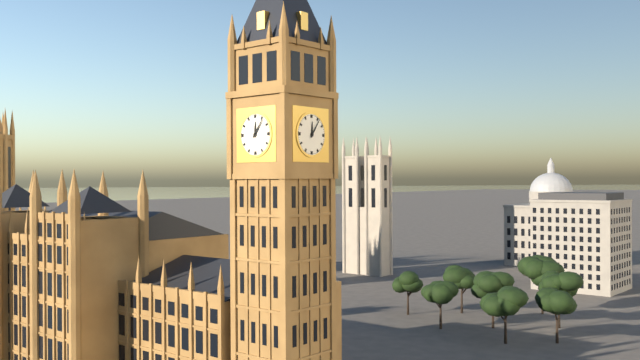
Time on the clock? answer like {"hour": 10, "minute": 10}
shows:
{"hour": 12, "minute": 6}
